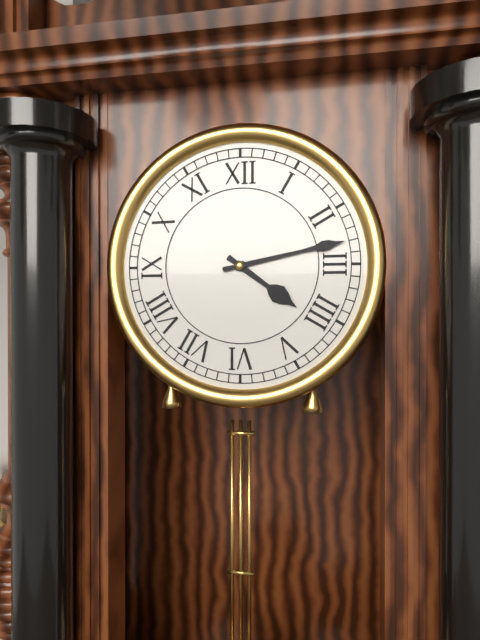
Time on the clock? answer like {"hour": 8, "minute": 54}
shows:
{"hour": 4, "minute": 13}
